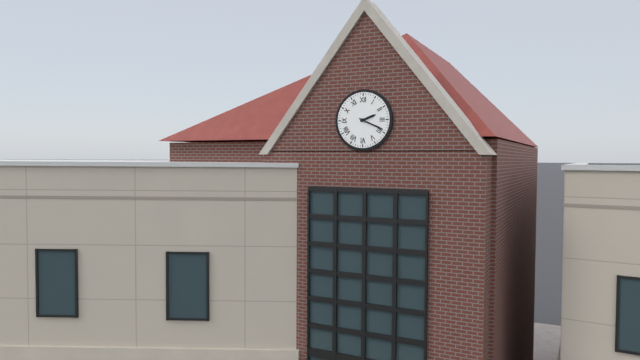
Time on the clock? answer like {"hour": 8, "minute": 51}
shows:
{"hour": 2, "minute": 19}
